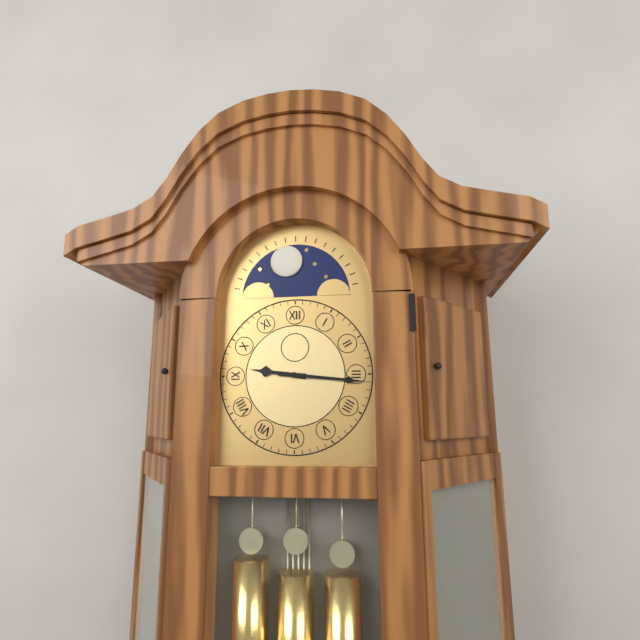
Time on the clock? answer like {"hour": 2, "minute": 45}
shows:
{"hour": 9, "minute": 16}
